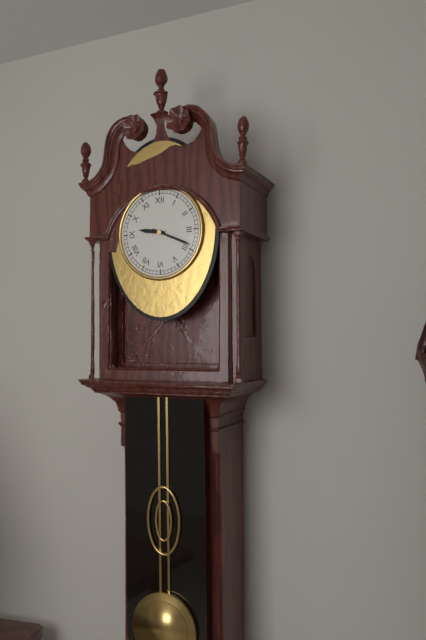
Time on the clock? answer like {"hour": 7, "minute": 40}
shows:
{"hour": 9, "minute": 19}
